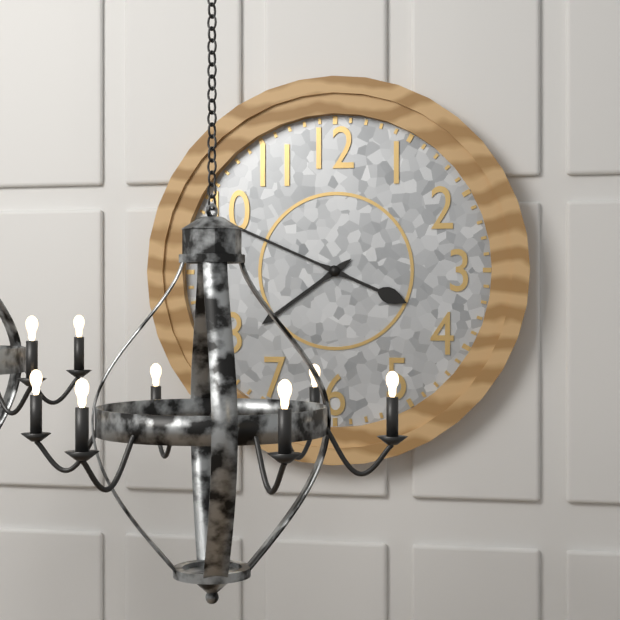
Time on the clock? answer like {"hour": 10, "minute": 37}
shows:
{"hour": 7, "minute": 49}
